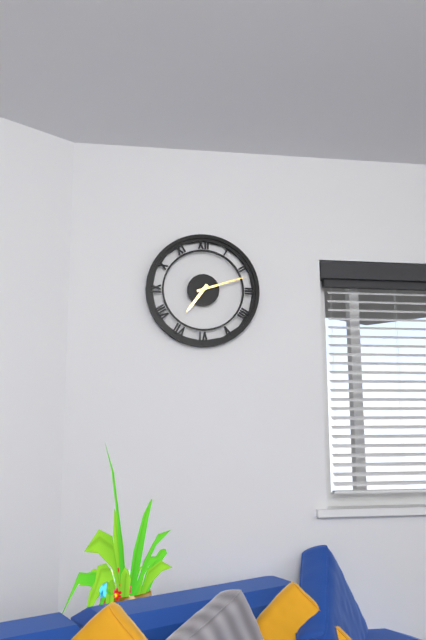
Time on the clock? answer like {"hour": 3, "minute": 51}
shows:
{"hour": 7, "minute": 12}
